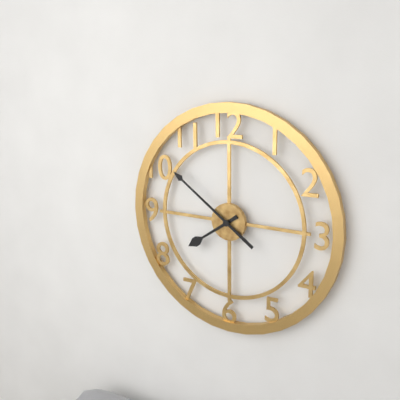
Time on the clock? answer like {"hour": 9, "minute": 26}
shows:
{"hour": 7, "minute": 51}
